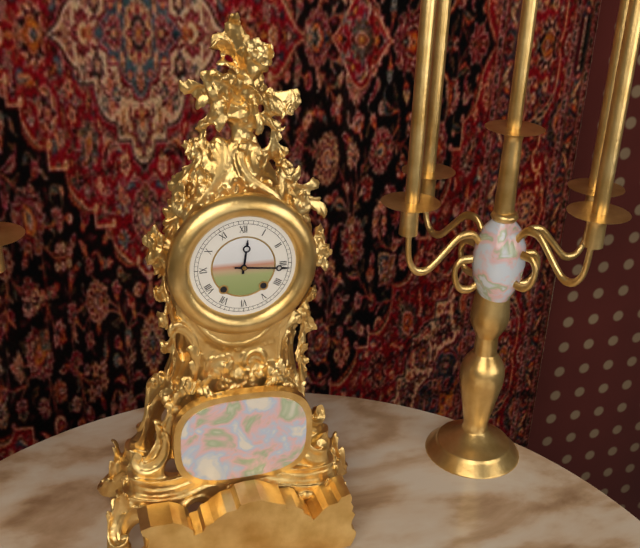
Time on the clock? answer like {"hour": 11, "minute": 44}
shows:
{"hour": 12, "minute": 16}
